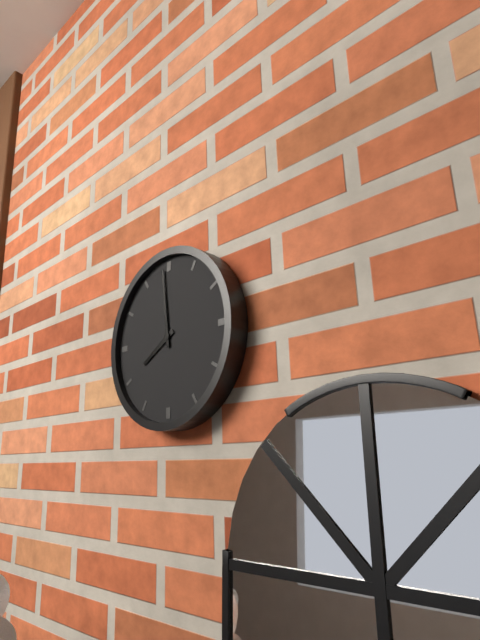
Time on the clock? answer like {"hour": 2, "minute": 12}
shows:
{"hour": 7, "minute": 59}
